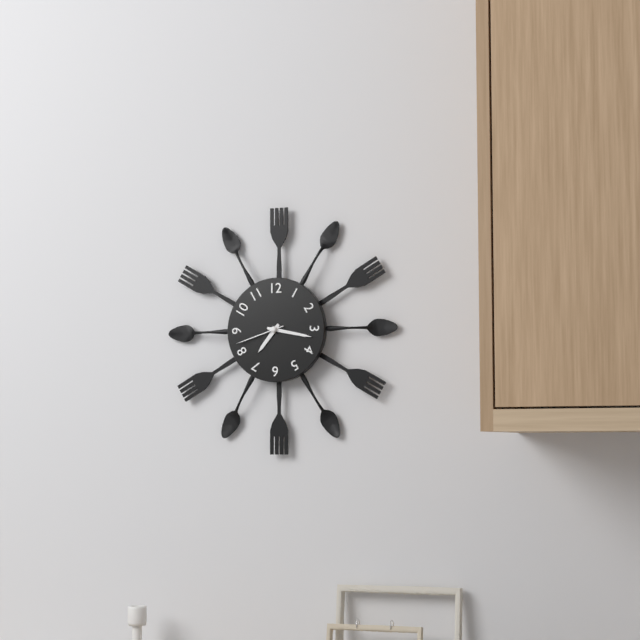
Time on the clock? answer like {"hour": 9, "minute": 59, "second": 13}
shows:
{"hour": 7, "minute": 17, "second": 42}
